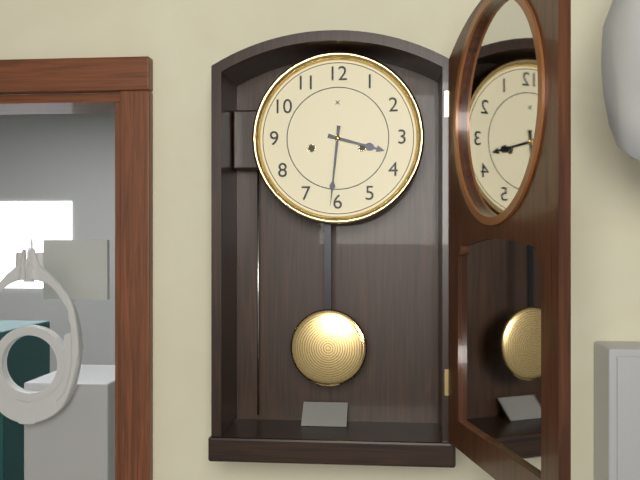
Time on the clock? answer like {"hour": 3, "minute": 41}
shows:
{"hour": 3, "minute": 31}
